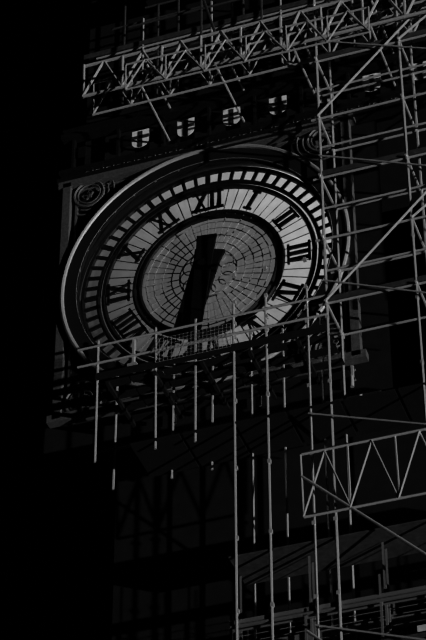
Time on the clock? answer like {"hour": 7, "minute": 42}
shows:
{"hour": 6, "minute": 31}
